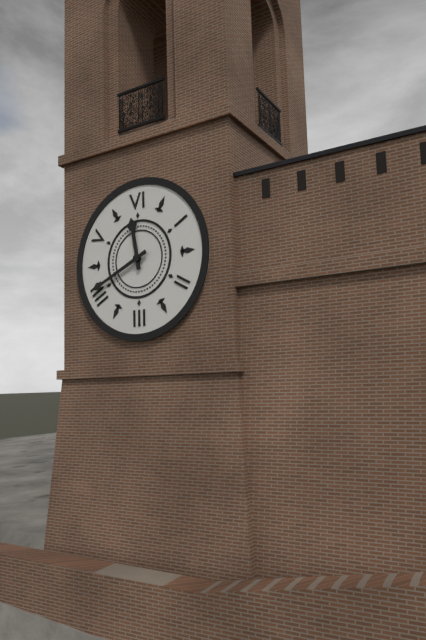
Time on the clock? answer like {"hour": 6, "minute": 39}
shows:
{"hour": 11, "minute": 41}
